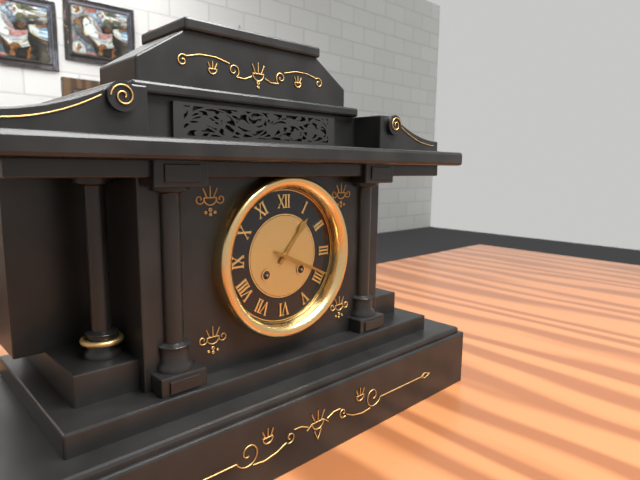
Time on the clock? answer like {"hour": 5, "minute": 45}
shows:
{"hour": 1, "minute": 19}
